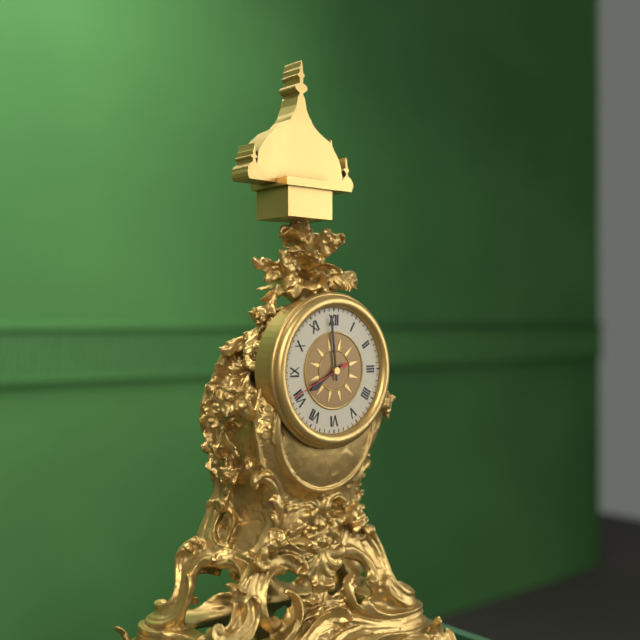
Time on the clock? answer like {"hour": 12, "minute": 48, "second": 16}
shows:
{"hour": 7, "minute": 59, "second": 41}
